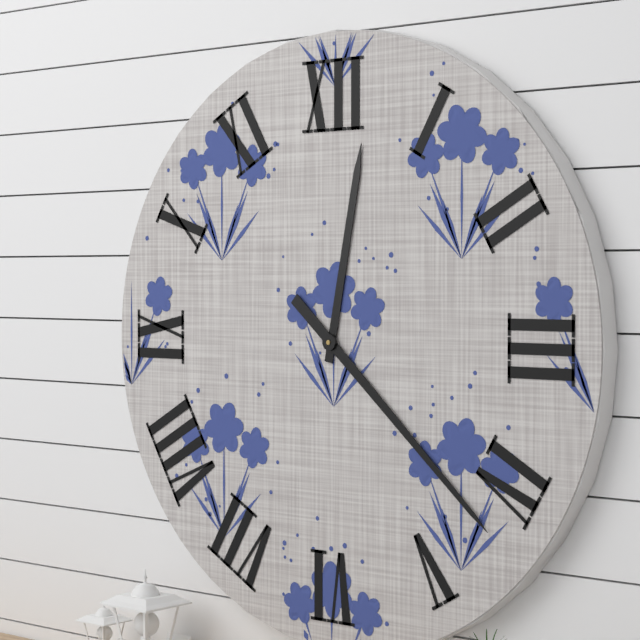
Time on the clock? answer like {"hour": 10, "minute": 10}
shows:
{"hour": 12, "minute": 22}
